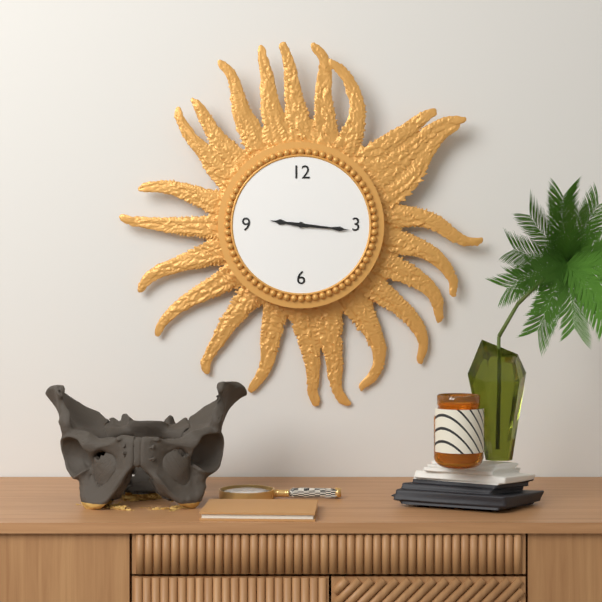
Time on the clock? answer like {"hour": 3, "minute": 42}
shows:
{"hour": 9, "minute": 16}
